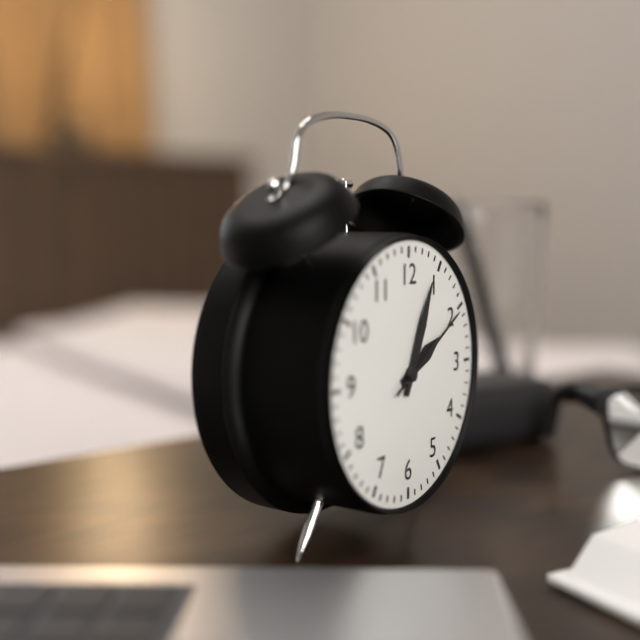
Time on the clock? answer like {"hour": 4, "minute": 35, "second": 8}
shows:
{"hour": 2, "minute": 4, "second": 10}
